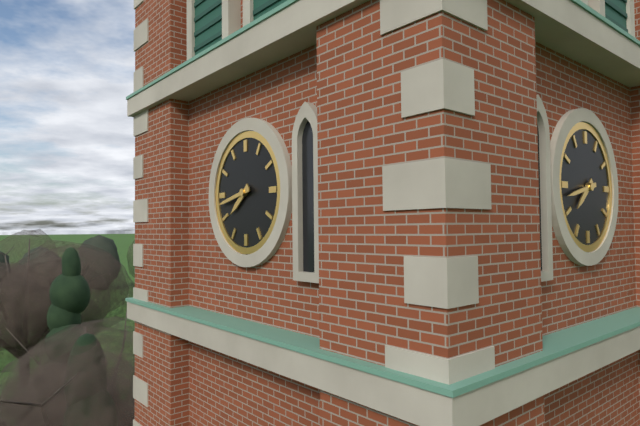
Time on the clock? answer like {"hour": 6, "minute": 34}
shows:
{"hour": 7, "minute": 43}
